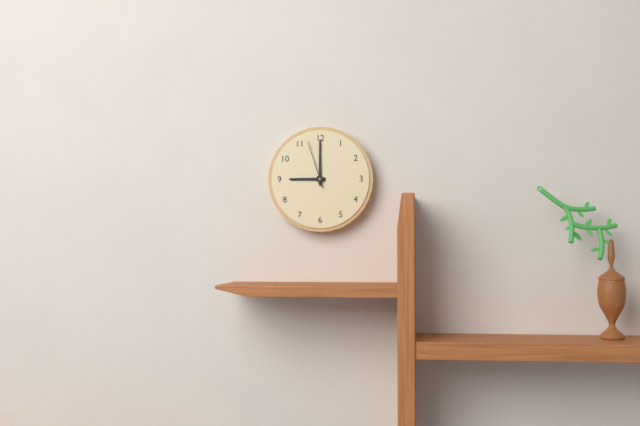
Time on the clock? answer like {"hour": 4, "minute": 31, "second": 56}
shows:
{"hour": 9, "minute": 0, "second": 57}
